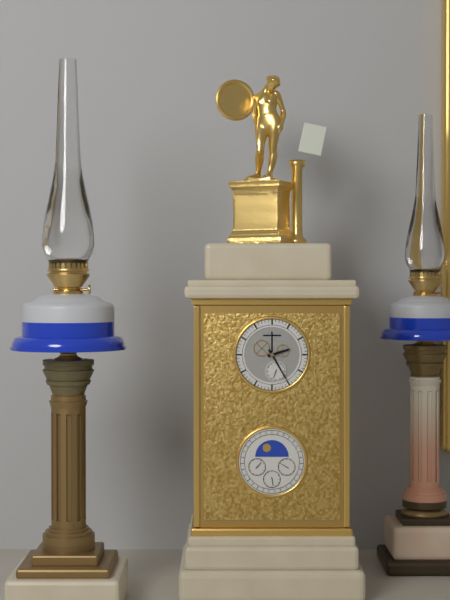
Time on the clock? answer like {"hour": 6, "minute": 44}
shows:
{"hour": 2, "minute": 25}
